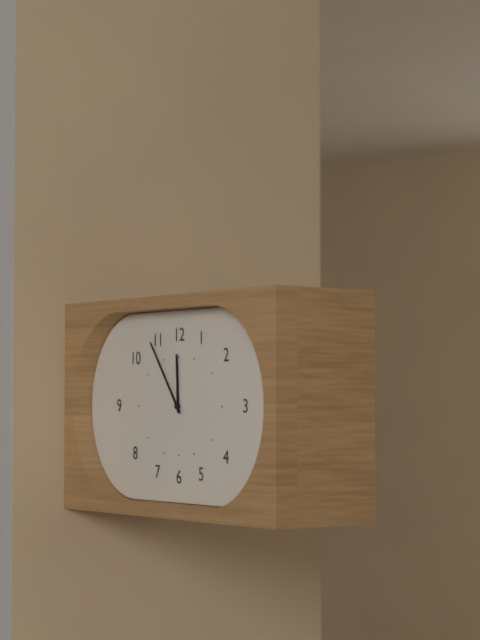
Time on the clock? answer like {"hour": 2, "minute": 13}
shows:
{"hour": 11, "minute": 54}
